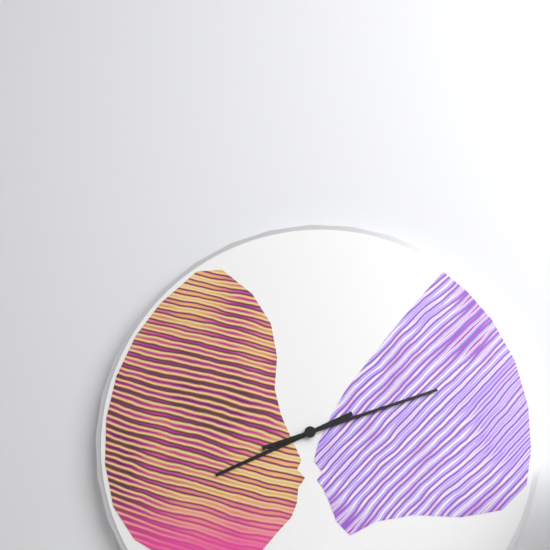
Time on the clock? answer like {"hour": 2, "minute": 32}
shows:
{"hour": 8, "minute": 12}
